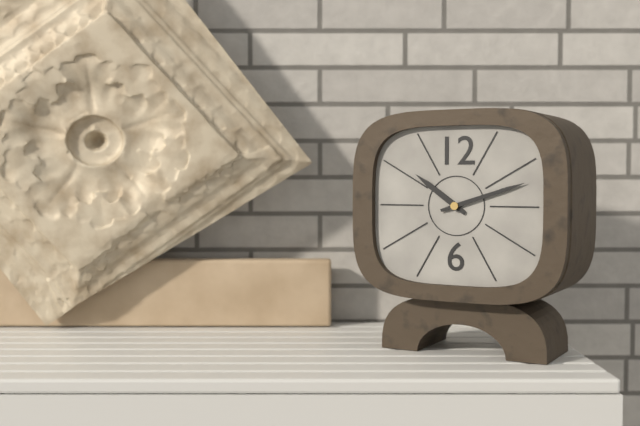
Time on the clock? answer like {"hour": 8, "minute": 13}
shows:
{"hour": 10, "minute": 12}
